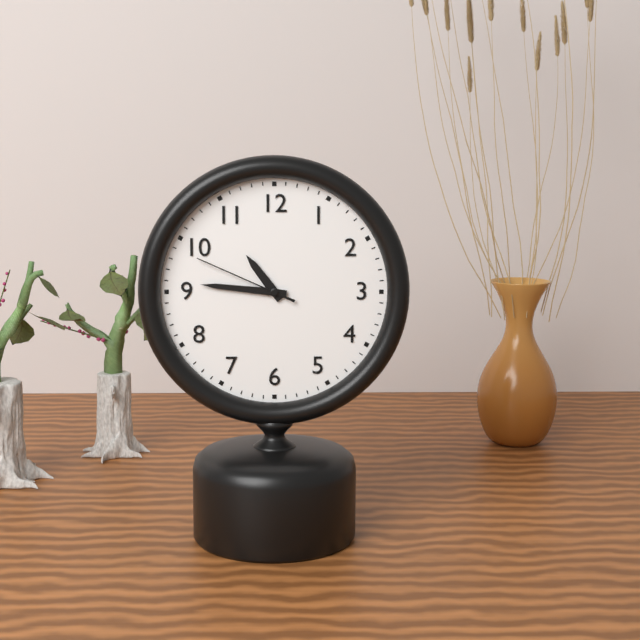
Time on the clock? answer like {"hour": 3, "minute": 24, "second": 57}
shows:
{"hour": 10, "minute": 46, "second": 49}
